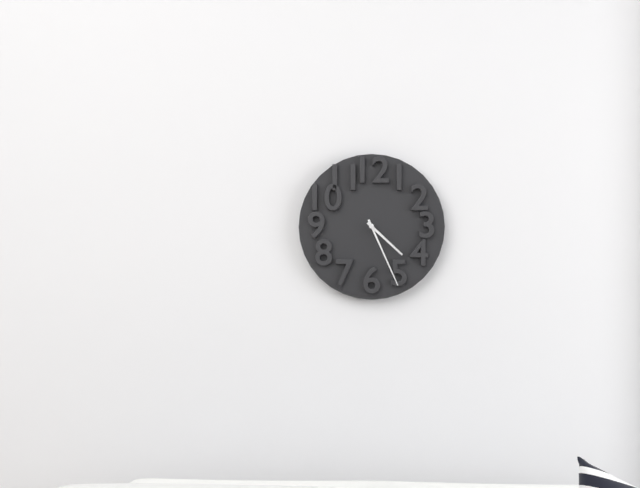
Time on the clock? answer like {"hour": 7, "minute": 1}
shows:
{"hour": 4, "minute": 26}
